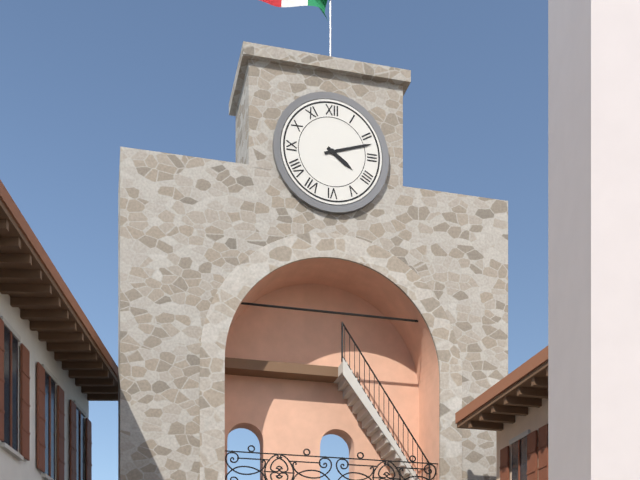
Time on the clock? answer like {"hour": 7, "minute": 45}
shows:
{"hour": 4, "minute": 12}
